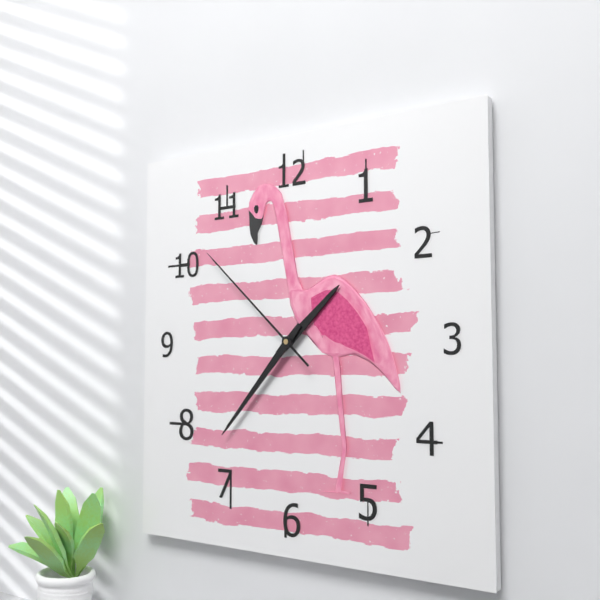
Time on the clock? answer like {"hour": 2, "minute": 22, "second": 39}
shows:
{"hour": 1, "minute": 37, "second": 52}
